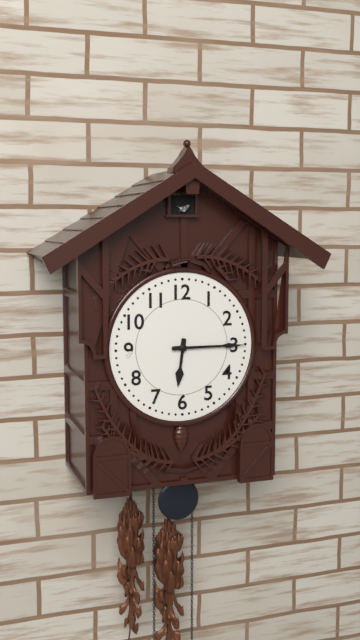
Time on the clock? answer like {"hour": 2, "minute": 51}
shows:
{"hour": 6, "minute": 15}
